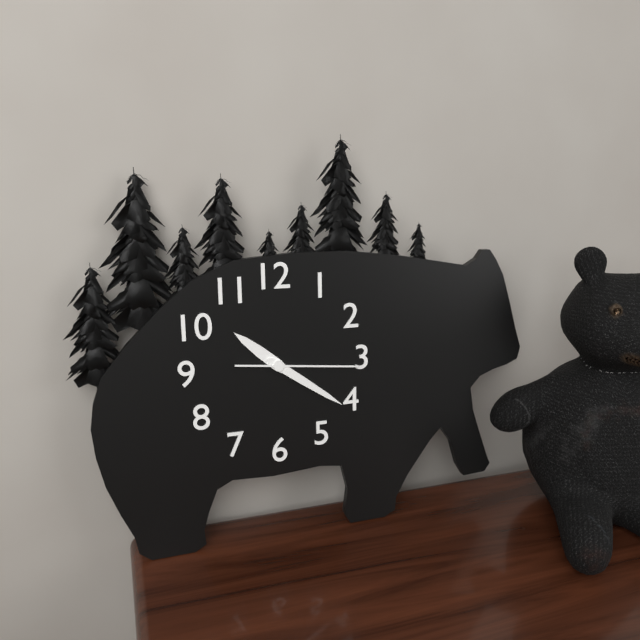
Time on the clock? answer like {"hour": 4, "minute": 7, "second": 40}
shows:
{"hour": 10, "minute": 21, "second": 16}
